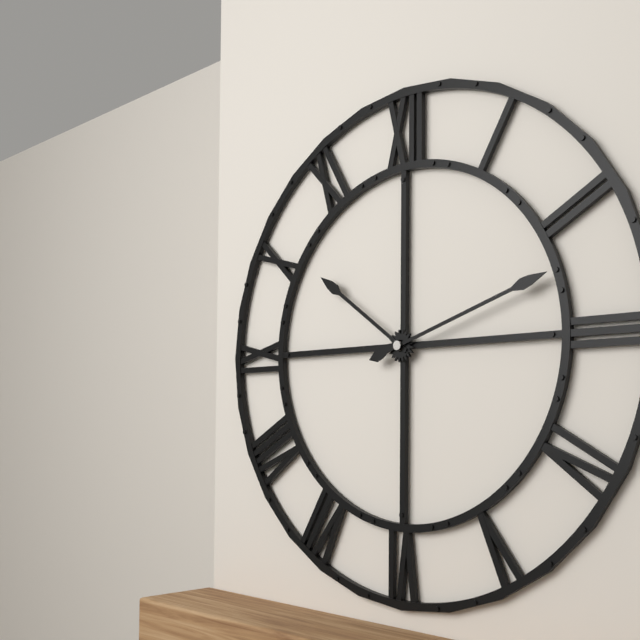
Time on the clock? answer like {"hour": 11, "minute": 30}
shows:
{"hour": 10, "minute": 12}
